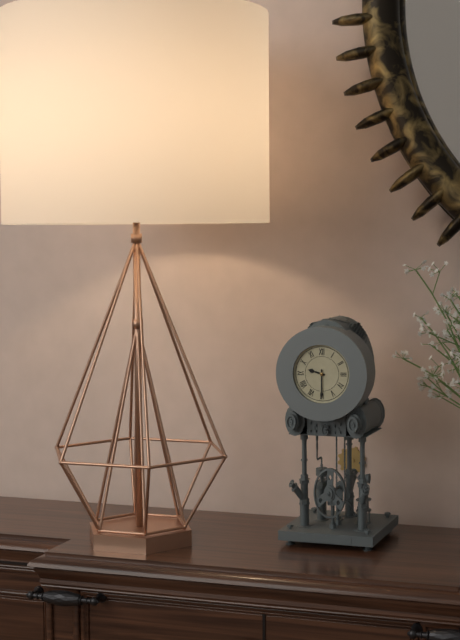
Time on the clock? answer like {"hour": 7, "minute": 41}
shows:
{"hour": 9, "minute": 30}
